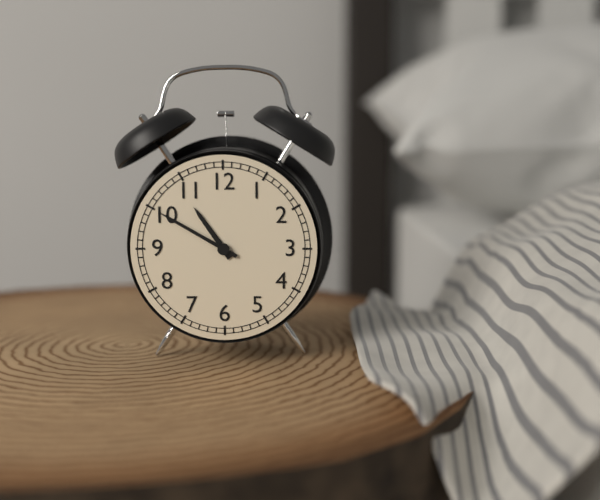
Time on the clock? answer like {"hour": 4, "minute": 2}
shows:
{"hour": 10, "minute": 50}
